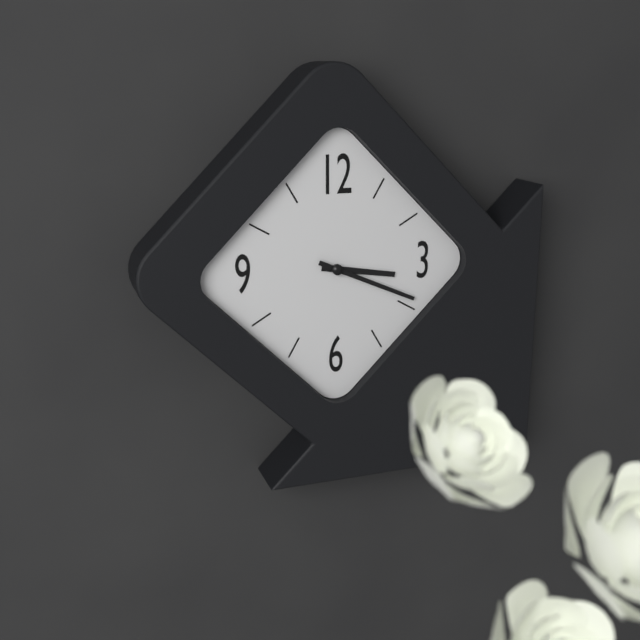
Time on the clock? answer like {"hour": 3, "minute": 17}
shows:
{"hour": 3, "minute": 19}
